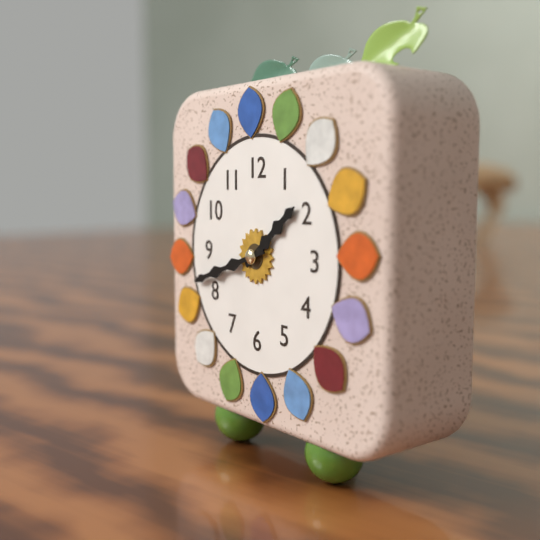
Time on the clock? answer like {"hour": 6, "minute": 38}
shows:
{"hour": 1, "minute": 42}
